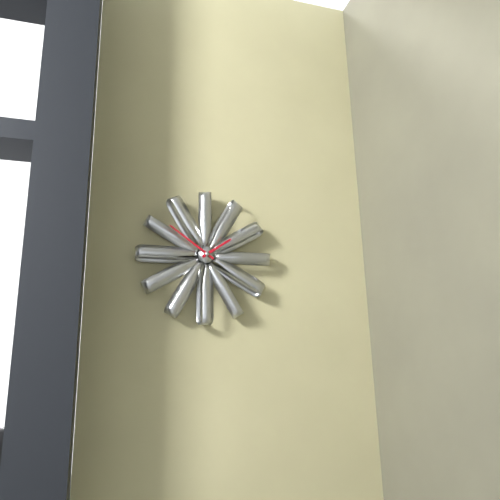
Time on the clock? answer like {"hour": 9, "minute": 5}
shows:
{"hour": 1, "minute": 51}
